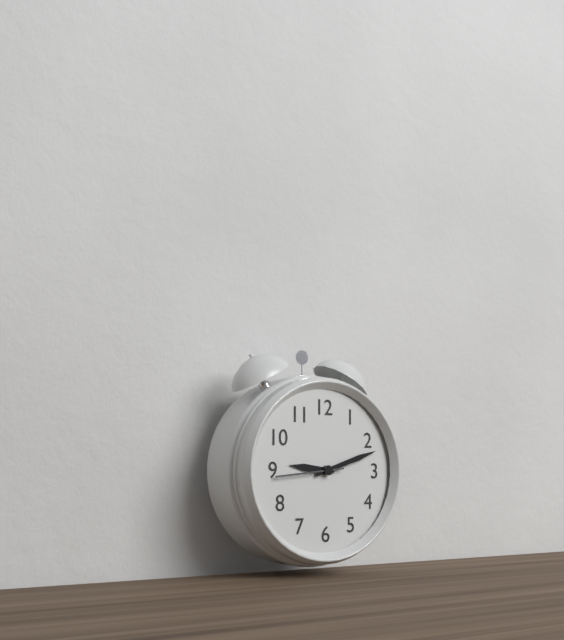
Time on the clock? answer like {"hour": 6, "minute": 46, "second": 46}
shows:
{"hour": 9, "minute": 12, "second": 44}
